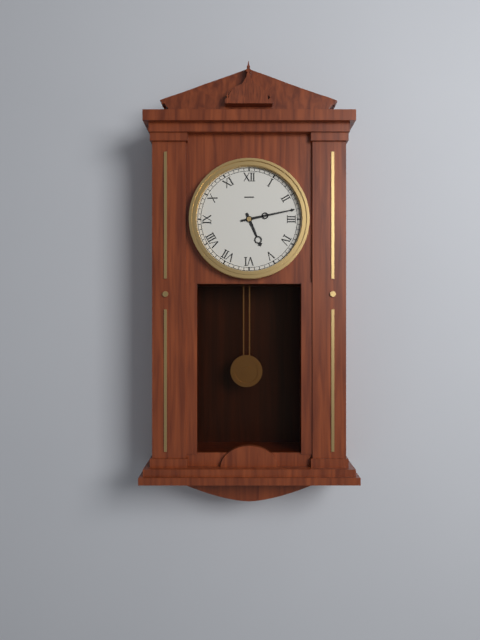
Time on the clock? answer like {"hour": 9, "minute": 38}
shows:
{"hour": 5, "minute": 13}
